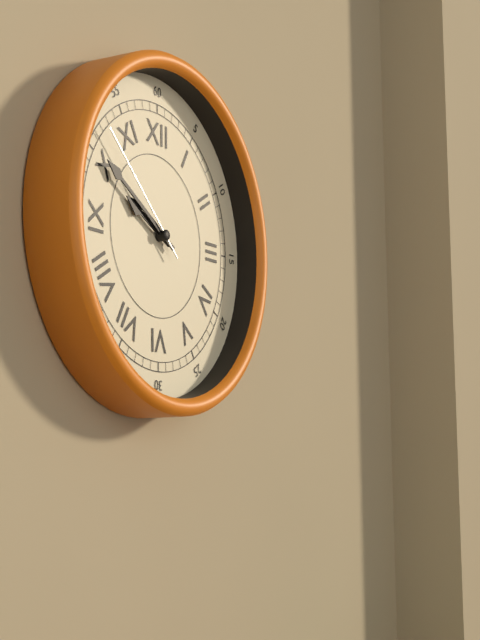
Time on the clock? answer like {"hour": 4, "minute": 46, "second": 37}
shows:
{"hour": 9, "minute": 50, "second": 52}
